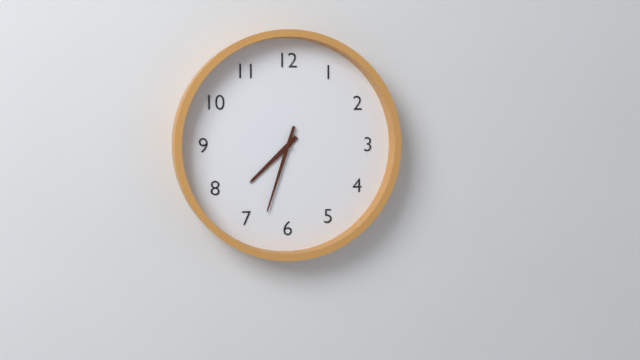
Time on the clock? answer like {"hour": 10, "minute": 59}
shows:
{"hour": 7, "minute": 33}
